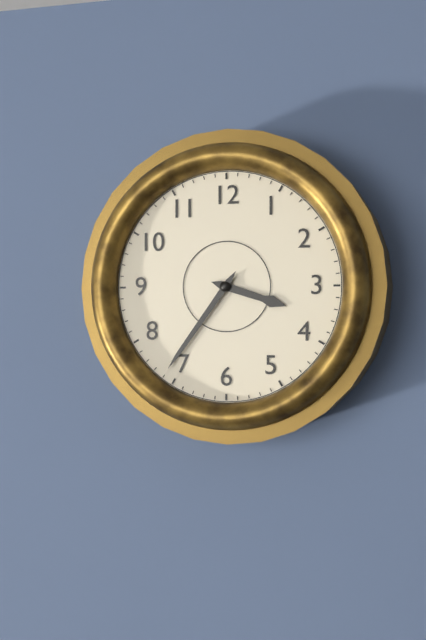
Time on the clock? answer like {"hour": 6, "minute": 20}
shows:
{"hour": 3, "minute": 36}
